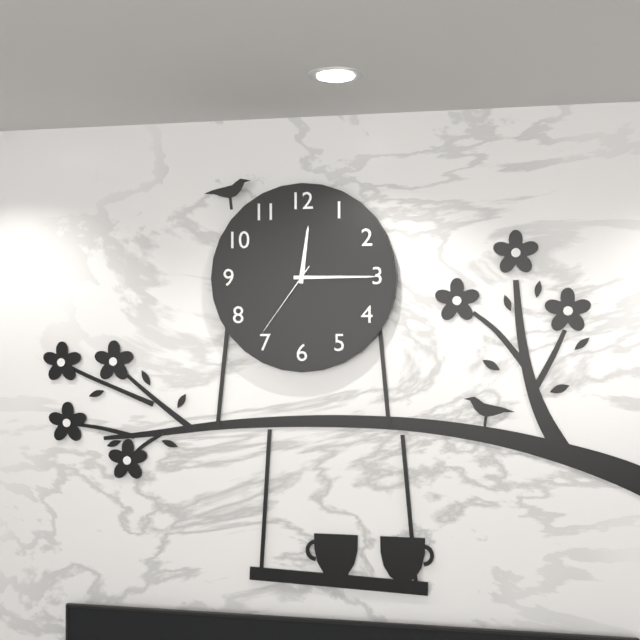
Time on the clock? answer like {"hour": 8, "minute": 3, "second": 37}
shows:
{"hour": 12, "minute": 15, "second": 36}
